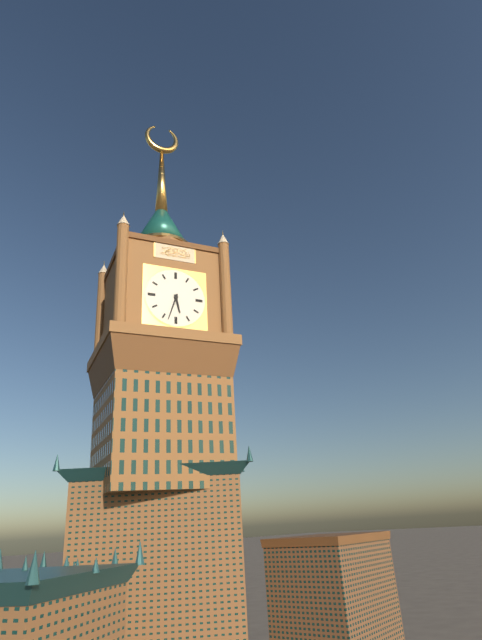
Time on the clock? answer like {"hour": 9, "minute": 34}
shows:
{"hour": 5, "minute": 33}
